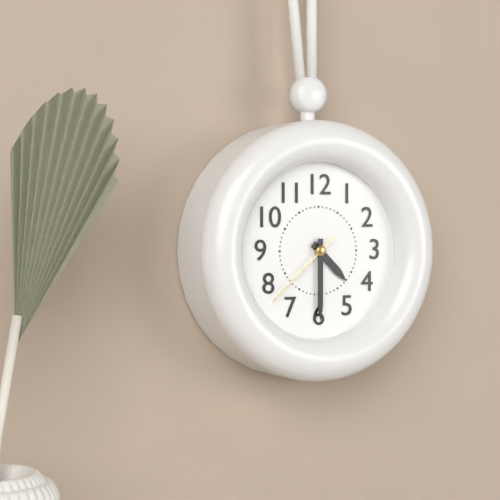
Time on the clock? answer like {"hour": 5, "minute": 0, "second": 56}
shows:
{"hour": 4, "minute": 30, "second": 38}
